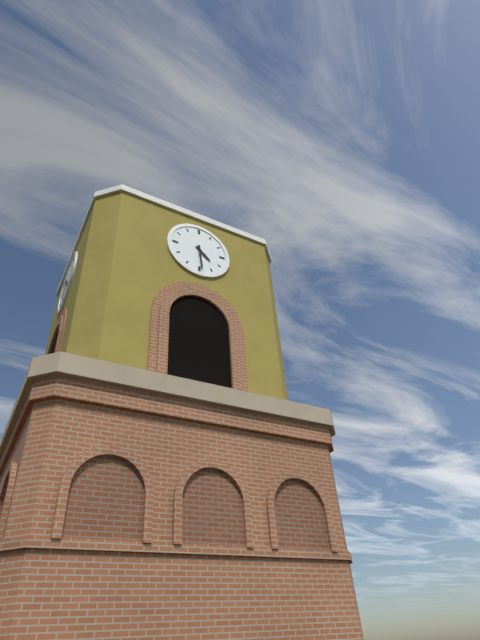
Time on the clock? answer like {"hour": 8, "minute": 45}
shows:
{"hour": 4, "minute": 29}
